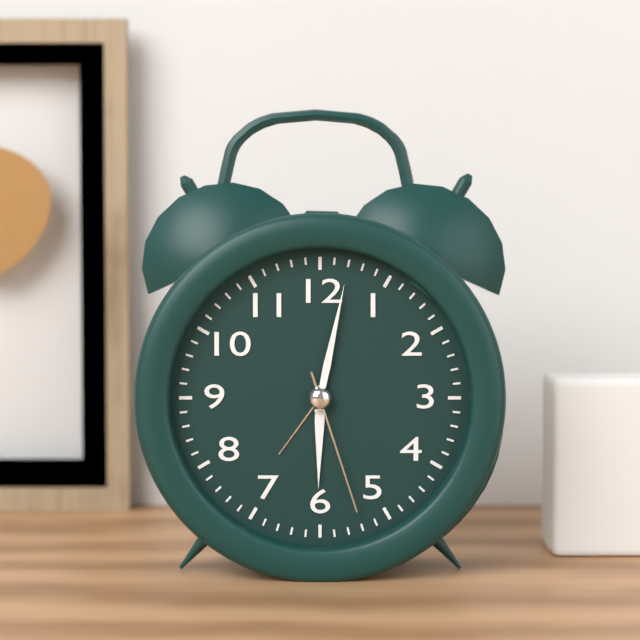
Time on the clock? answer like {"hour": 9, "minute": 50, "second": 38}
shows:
{"hour": 6, "minute": 2, "second": 27}
